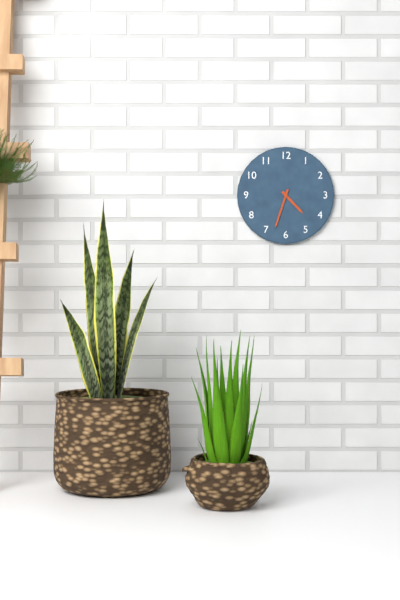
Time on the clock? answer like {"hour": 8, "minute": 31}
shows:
{"hour": 4, "minute": 33}
